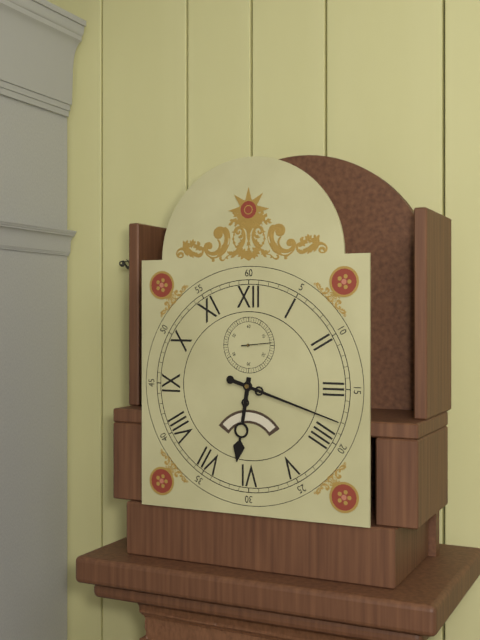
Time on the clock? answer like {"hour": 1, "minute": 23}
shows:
{"hour": 6, "minute": 18}
